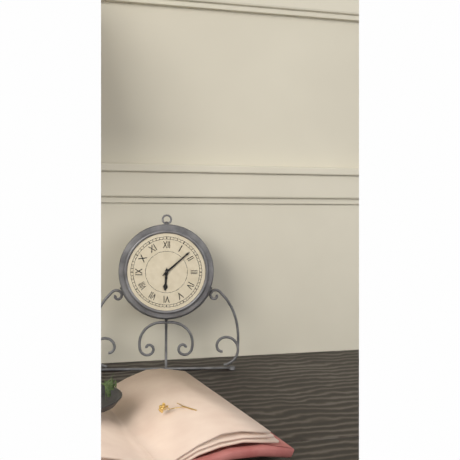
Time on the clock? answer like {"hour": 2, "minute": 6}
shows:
{"hour": 6, "minute": 8}
